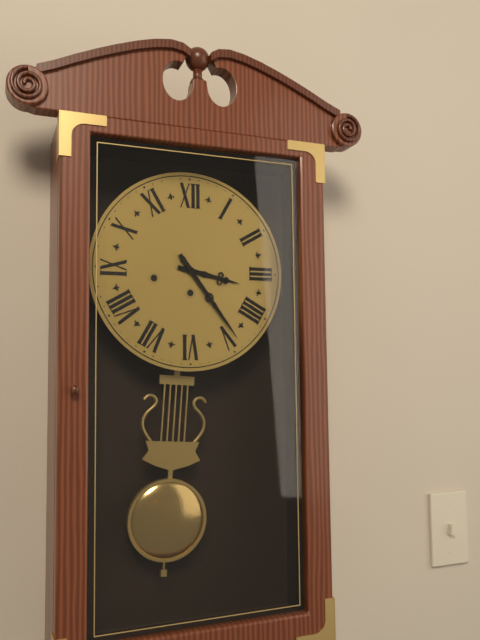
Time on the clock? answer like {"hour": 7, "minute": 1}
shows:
{"hour": 3, "minute": 24}
